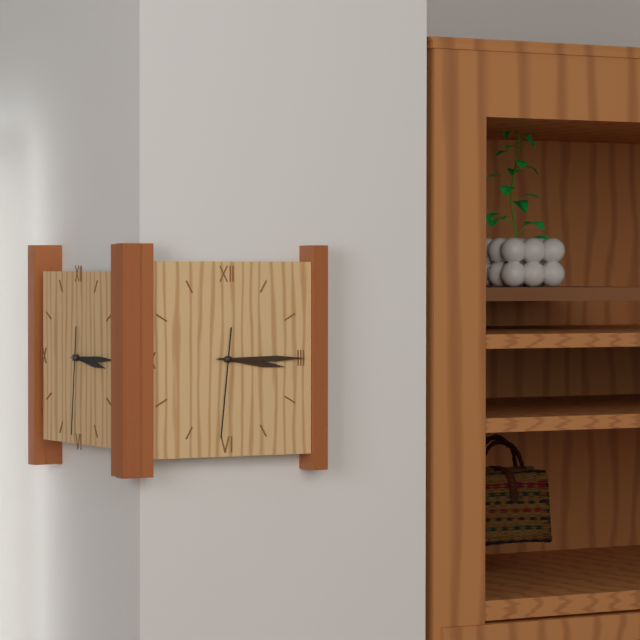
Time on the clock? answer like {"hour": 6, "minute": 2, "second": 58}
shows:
{"hour": 3, "minute": 15, "second": 31}
